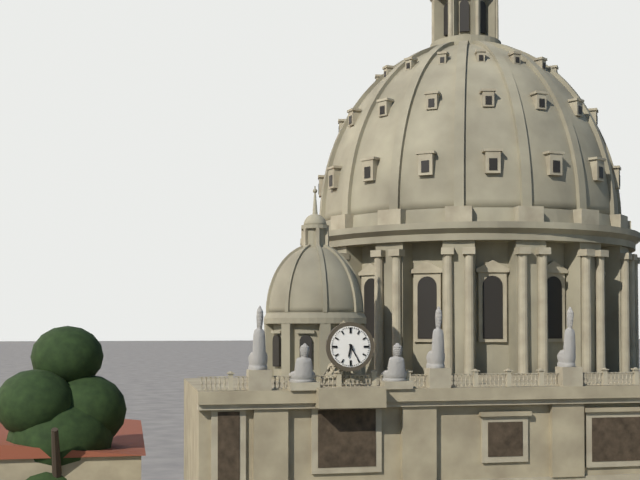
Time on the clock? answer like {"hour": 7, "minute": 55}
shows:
{"hour": 6, "minute": 25}
